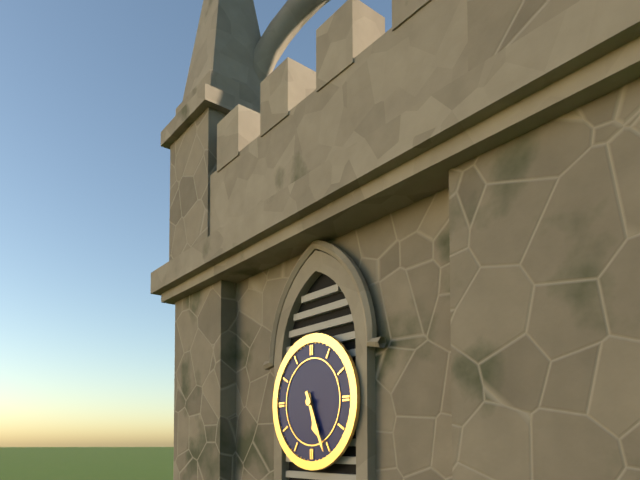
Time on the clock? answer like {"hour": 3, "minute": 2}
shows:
{"hour": 5, "minute": 26}
